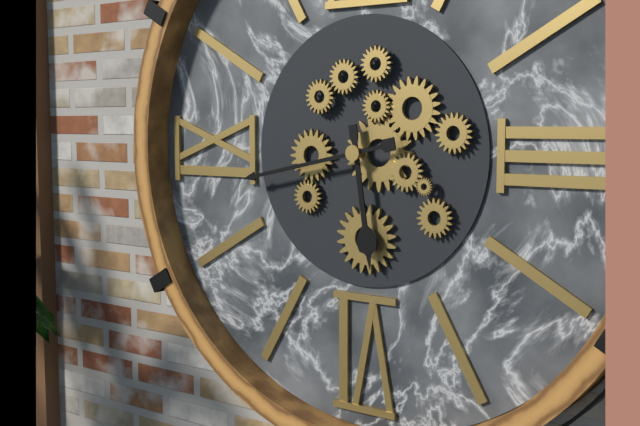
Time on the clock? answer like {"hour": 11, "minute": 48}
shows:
{"hour": 5, "minute": 43}
